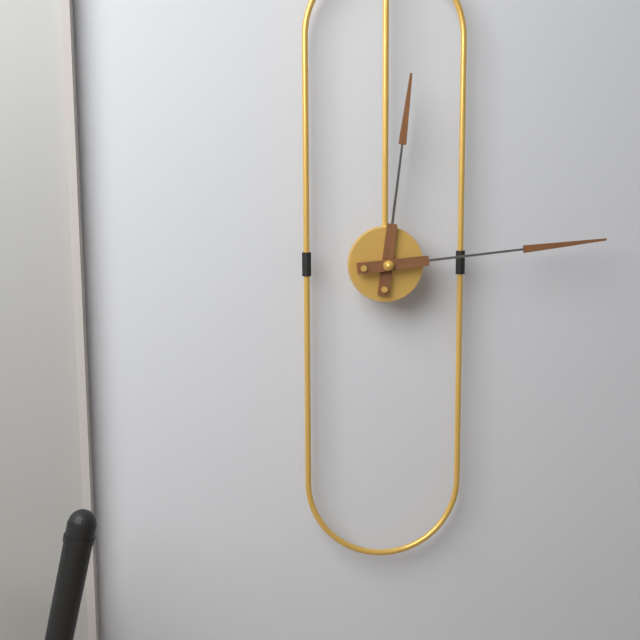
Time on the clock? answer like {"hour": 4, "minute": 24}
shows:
{"hour": 12, "minute": 14}
